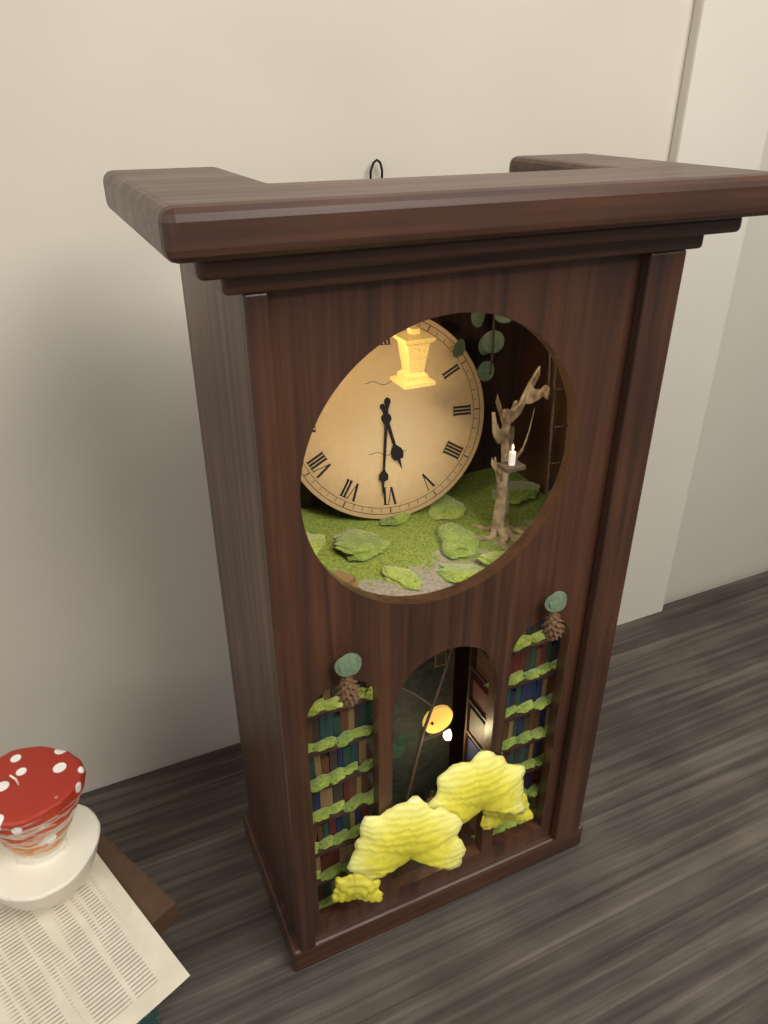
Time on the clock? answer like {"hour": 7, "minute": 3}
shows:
{"hour": 5, "minute": 31}
